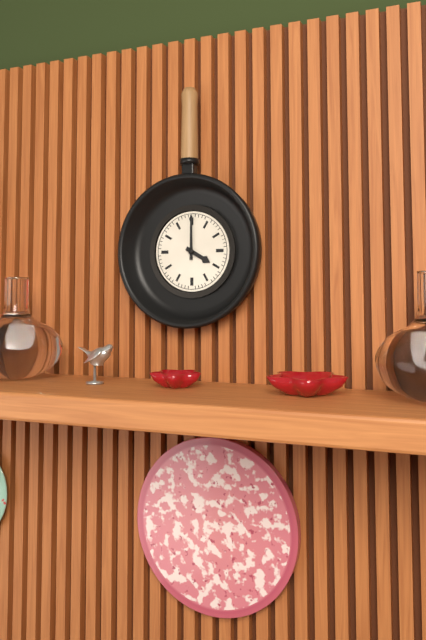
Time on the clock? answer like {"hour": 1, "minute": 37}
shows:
{"hour": 4, "minute": 0}
